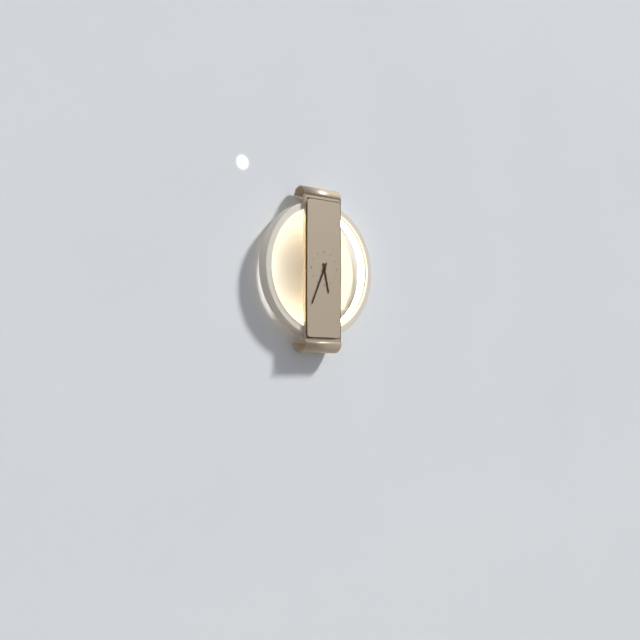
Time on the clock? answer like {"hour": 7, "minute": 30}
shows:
{"hour": 5, "minute": 34}
